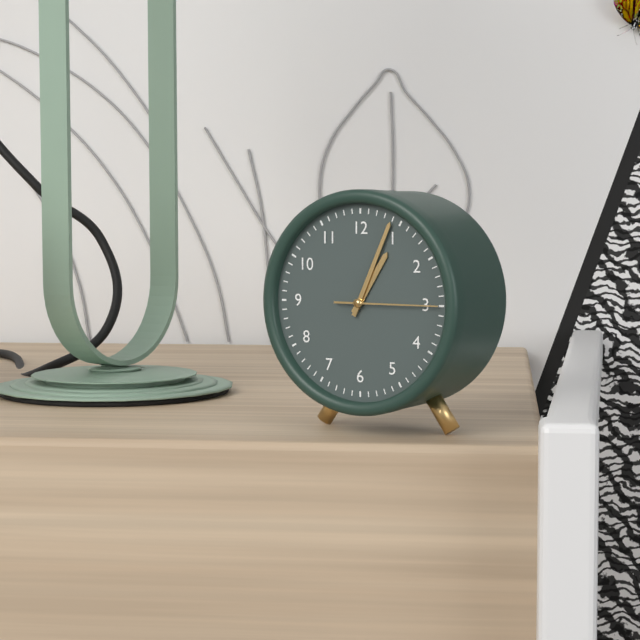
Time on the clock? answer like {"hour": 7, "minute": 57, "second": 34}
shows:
{"hour": 1, "minute": 4, "second": 15}
